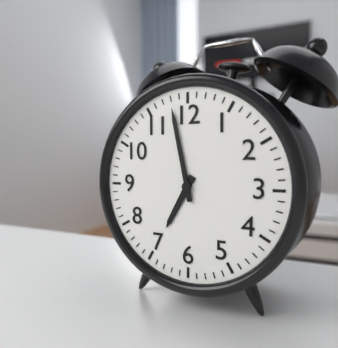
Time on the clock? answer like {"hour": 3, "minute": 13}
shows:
{"hour": 6, "minute": 58}
